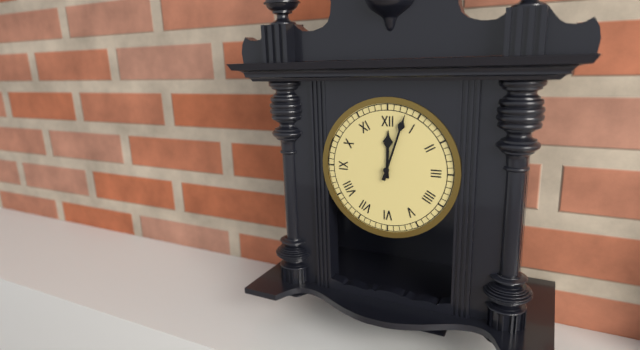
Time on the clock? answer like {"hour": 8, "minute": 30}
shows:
{"hour": 12, "minute": 3}
